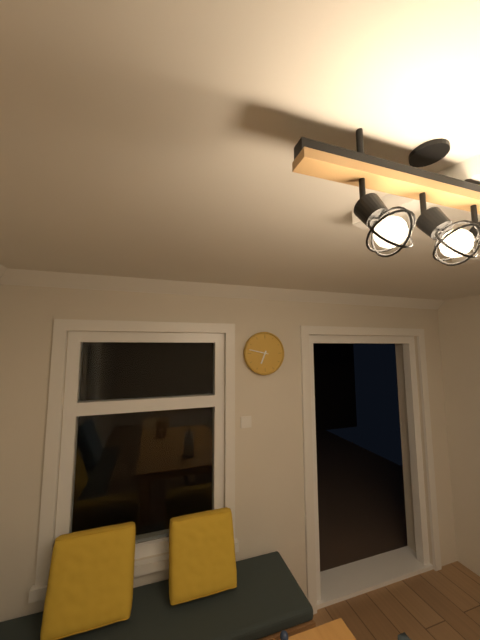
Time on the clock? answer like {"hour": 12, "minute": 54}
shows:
{"hour": 6, "minute": 47}
